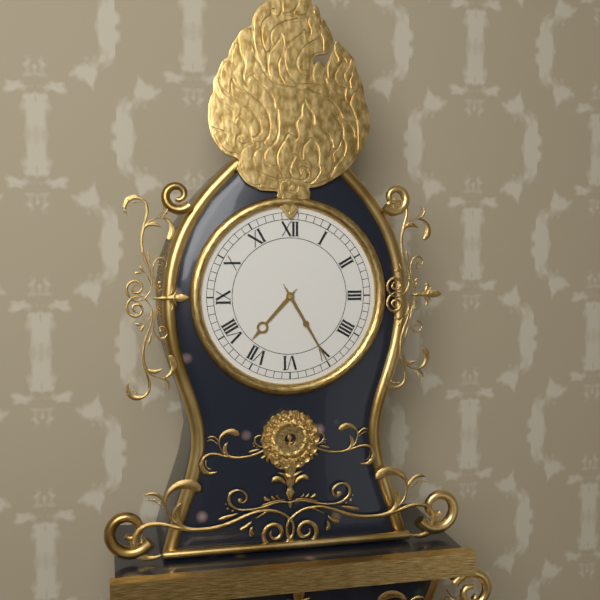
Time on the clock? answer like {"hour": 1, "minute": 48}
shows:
{"hour": 7, "minute": 25}
